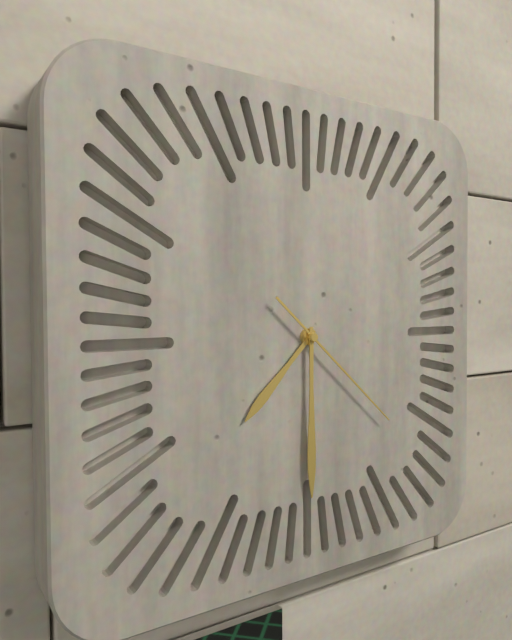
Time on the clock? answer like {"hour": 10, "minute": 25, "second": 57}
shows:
{"hour": 7, "minute": 30, "second": 22}
